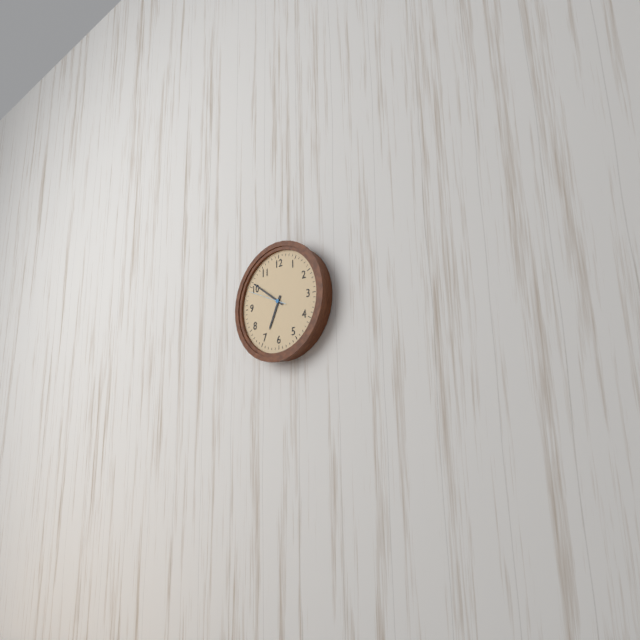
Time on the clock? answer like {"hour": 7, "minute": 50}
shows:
{"hour": 6, "minute": 51}
